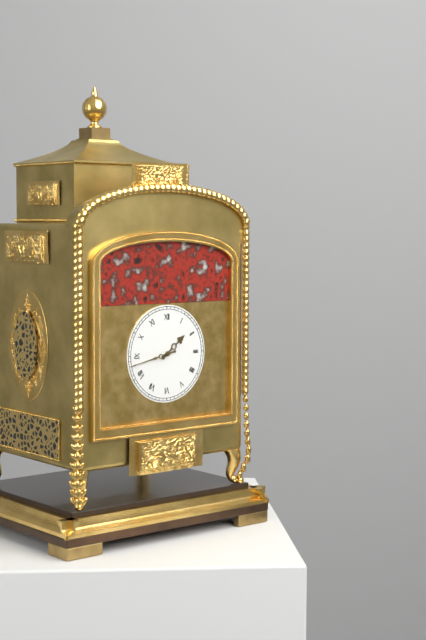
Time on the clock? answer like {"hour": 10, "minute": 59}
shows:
{"hour": 1, "minute": 43}
